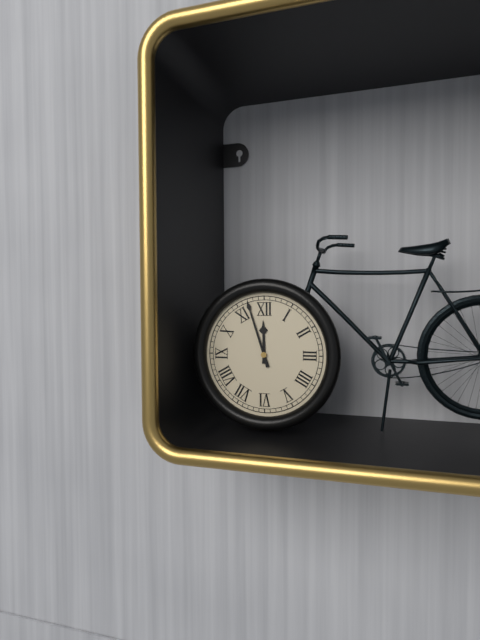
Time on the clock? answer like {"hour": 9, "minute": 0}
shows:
{"hour": 11, "minute": 57}
